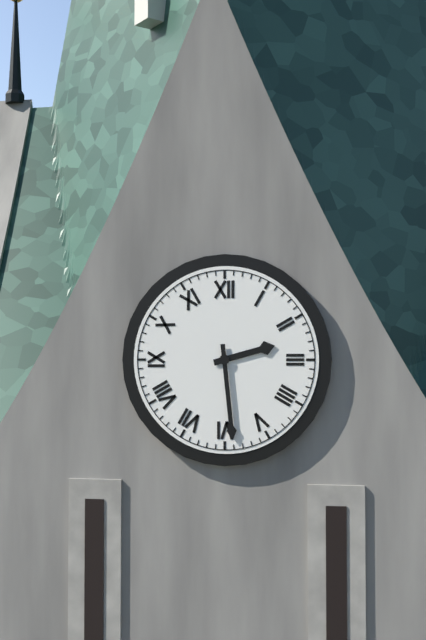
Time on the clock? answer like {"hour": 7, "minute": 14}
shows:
{"hour": 2, "minute": 29}
